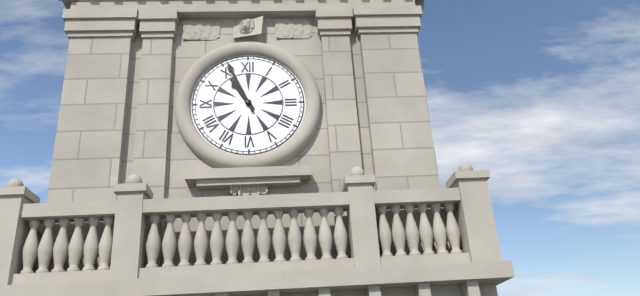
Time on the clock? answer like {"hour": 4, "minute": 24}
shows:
{"hour": 10, "minute": 56}
